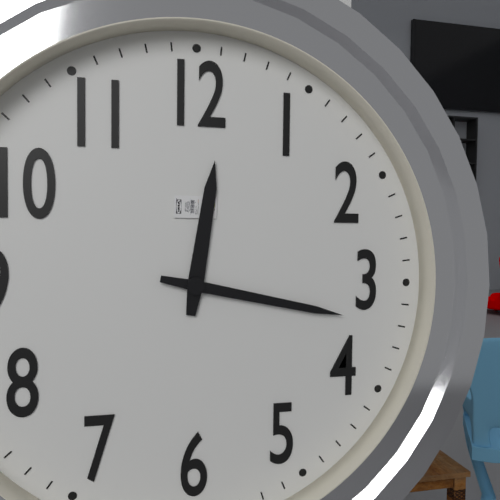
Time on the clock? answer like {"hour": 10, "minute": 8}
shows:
{"hour": 12, "minute": 17}
